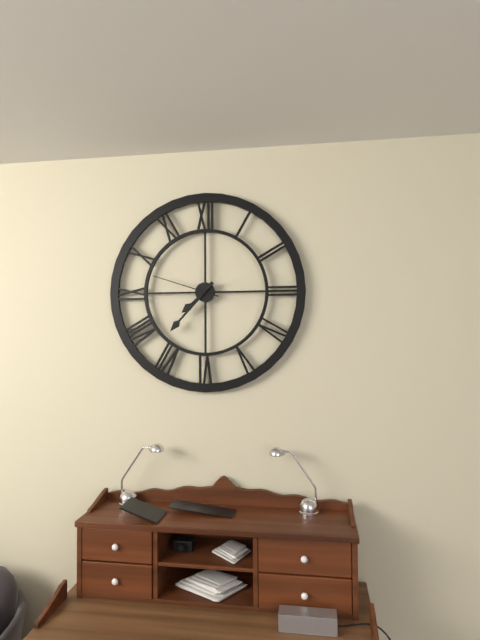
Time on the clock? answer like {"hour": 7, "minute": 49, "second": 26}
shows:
{"hour": 7, "minute": 37, "second": 48}
